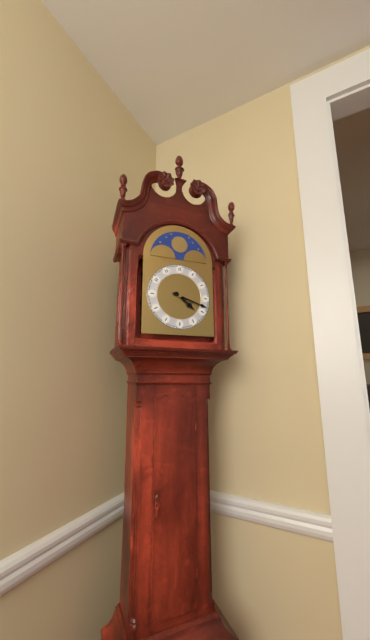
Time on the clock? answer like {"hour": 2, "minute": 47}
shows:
{"hour": 4, "minute": 18}
